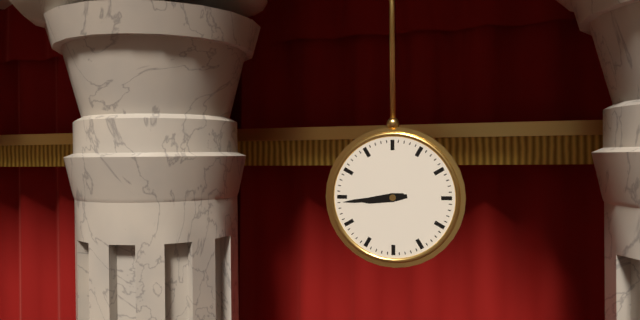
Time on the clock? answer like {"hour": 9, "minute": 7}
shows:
{"hour": 8, "minute": 44}
